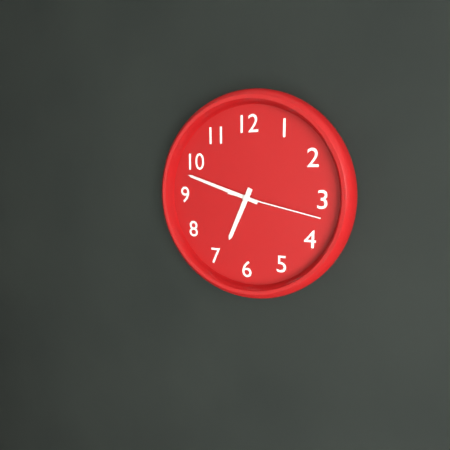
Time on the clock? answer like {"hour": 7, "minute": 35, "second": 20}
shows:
{"hour": 6, "minute": 48, "second": 17}
